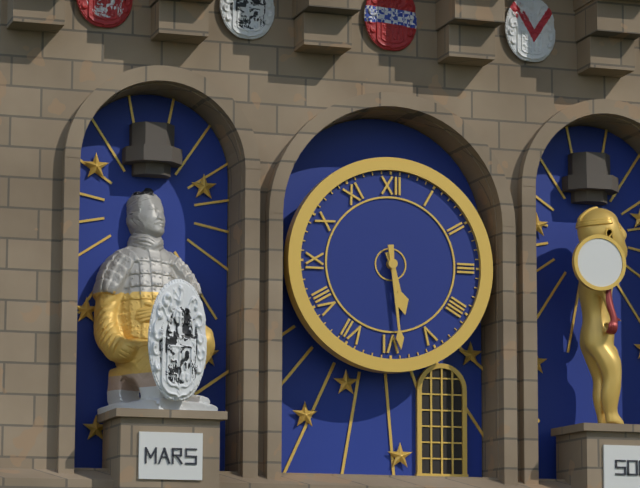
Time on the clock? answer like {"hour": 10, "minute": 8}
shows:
{"hour": 5, "minute": 29}
